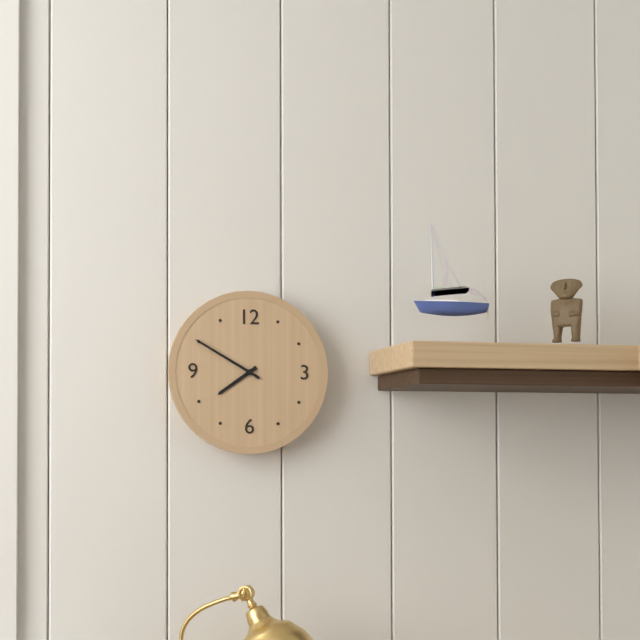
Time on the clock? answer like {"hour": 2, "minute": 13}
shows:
{"hour": 7, "minute": 50}
